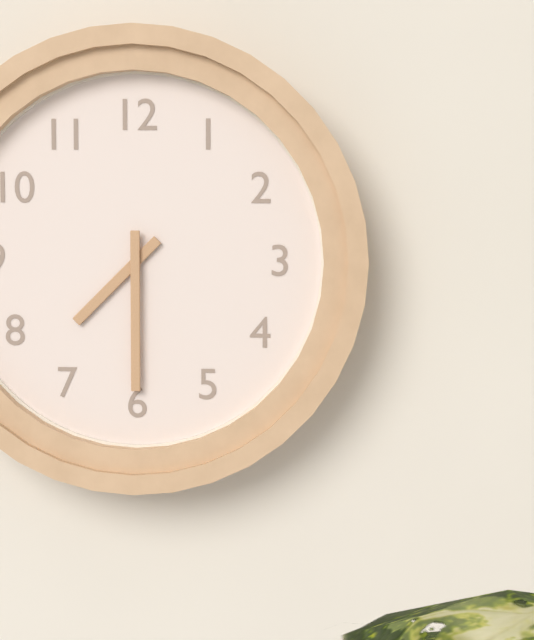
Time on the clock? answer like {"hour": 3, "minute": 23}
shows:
{"hour": 7, "minute": 30}
